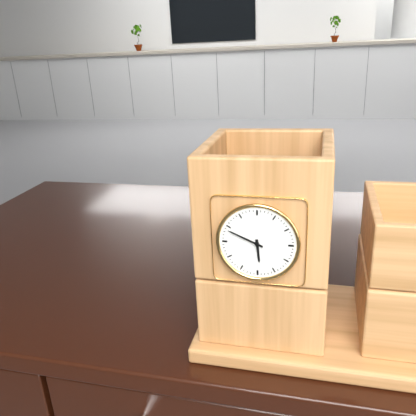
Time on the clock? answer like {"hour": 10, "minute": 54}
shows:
{"hour": 5, "minute": 49}
